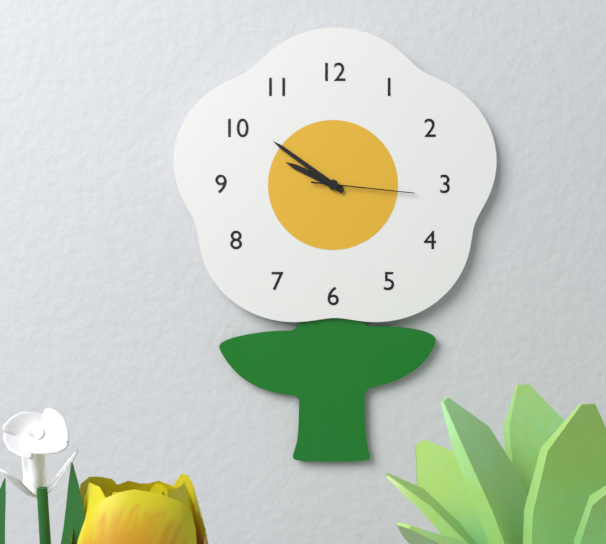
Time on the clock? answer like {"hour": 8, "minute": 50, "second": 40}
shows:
{"hour": 9, "minute": 51, "second": 16}
